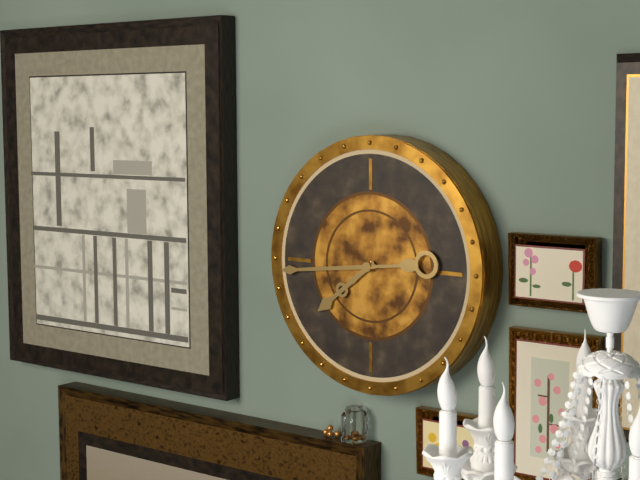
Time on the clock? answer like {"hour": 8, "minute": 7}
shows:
{"hour": 7, "minute": 44}
